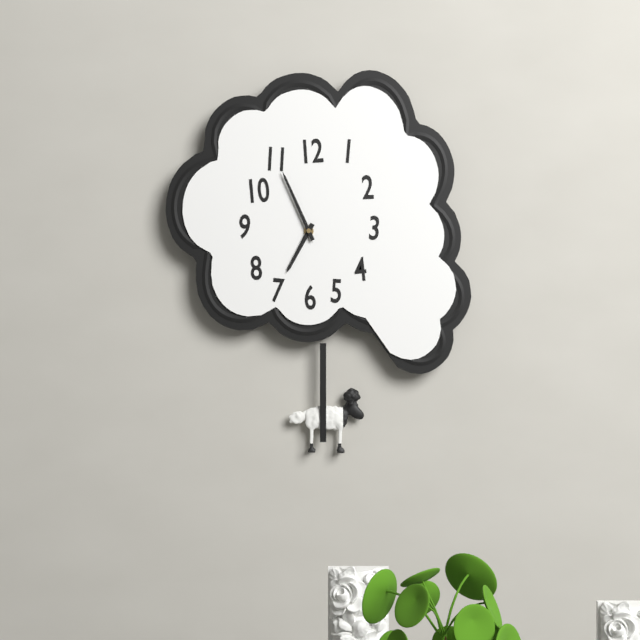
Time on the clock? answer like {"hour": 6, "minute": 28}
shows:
{"hour": 6, "minute": 56}
